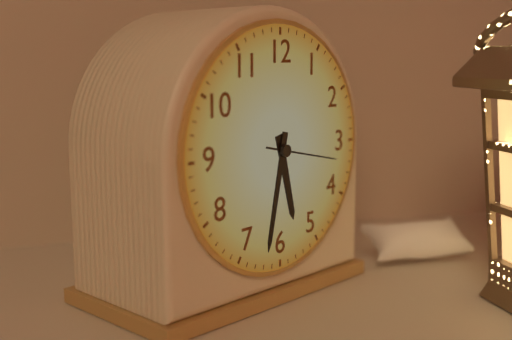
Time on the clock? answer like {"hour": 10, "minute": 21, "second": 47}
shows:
{"hour": 5, "minute": 32, "second": 17}
